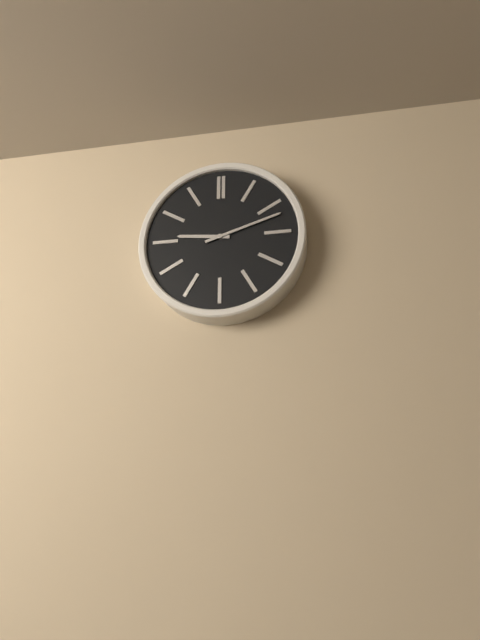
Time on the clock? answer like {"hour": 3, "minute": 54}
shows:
{"hour": 9, "minute": 12}
